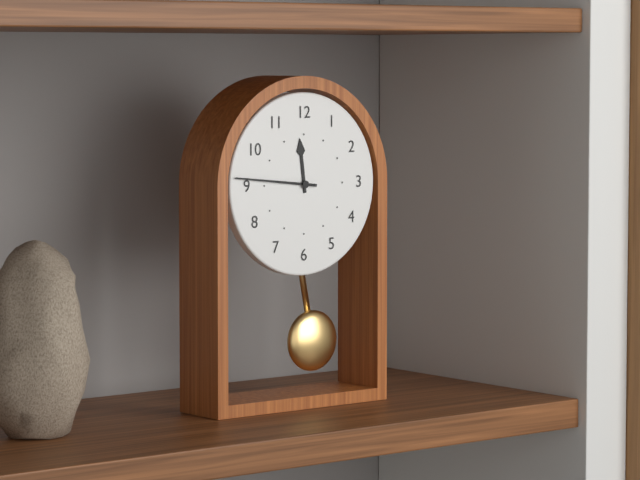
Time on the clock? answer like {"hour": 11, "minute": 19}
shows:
{"hour": 11, "minute": 46}
